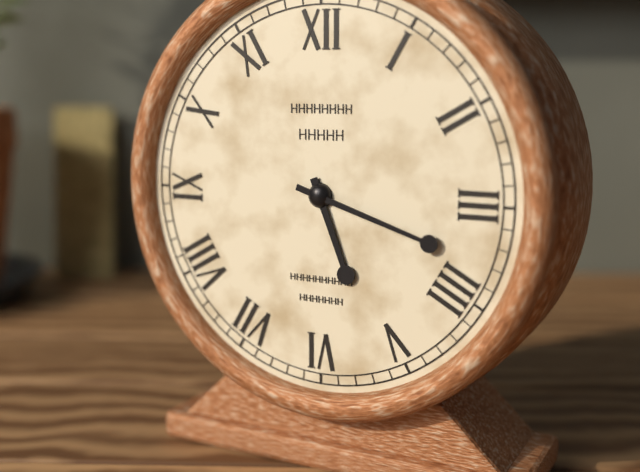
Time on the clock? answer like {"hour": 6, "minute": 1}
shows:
{"hour": 5, "minute": 18}
